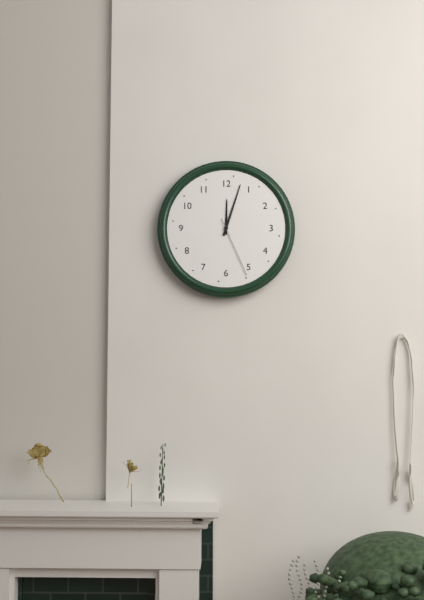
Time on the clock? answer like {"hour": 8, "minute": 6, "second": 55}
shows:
{"hour": 12, "minute": 3, "second": 26}
